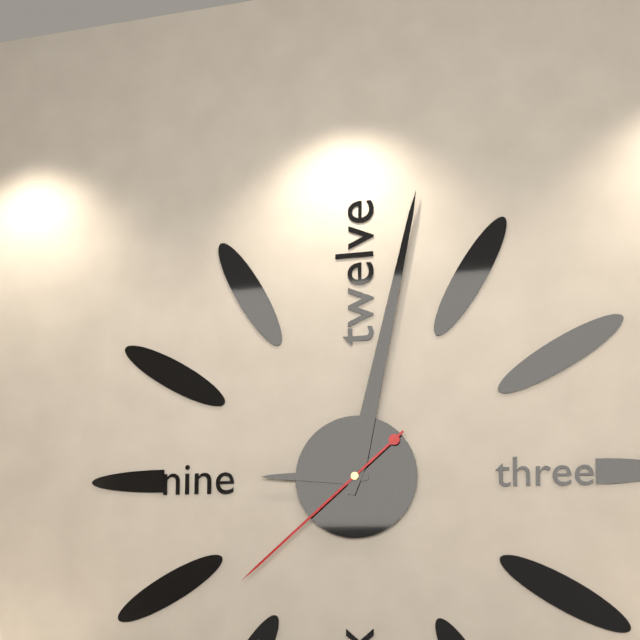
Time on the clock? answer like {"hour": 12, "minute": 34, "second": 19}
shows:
{"hour": 9, "minute": 2, "second": 38}
